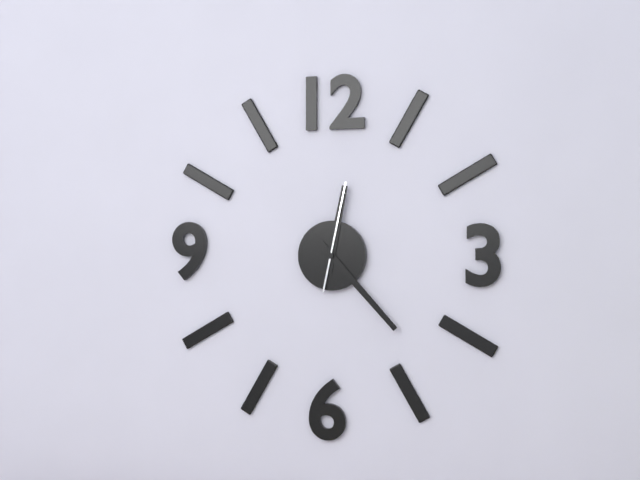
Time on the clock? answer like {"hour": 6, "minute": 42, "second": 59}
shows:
{"hour": 12, "minute": 23, "second": 2}
